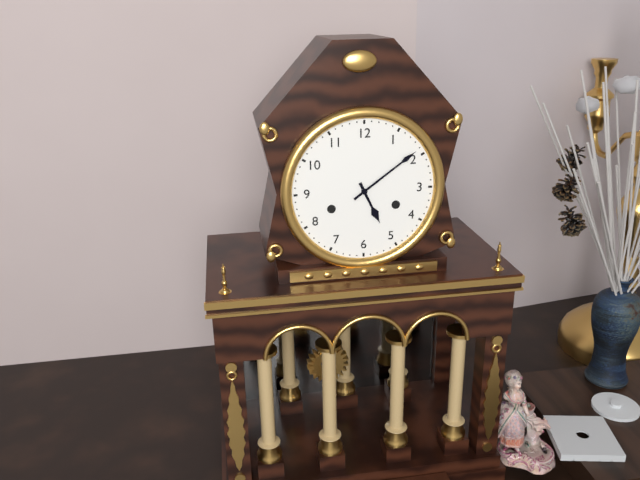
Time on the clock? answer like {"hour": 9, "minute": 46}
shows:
{"hour": 5, "minute": 9}
